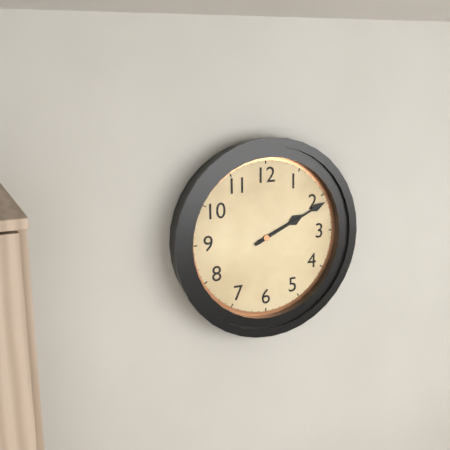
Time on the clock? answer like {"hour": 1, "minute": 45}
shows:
{"hour": 2, "minute": 11}
